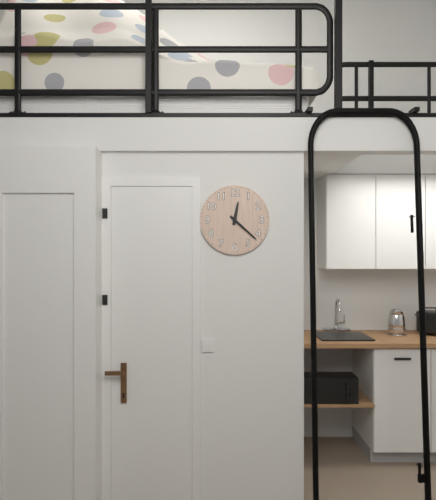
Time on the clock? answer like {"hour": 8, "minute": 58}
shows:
{"hour": 12, "minute": 22}
